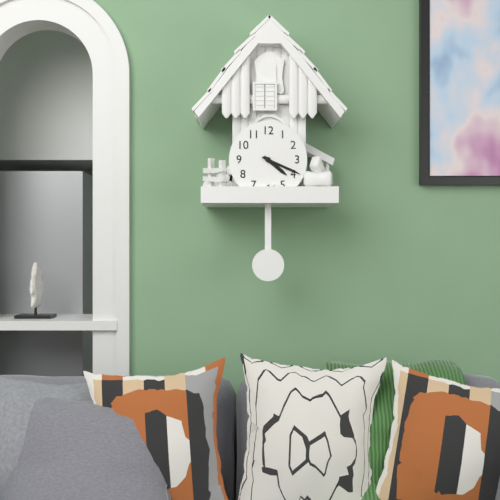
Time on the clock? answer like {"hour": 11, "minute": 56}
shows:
{"hour": 4, "minute": 19}
